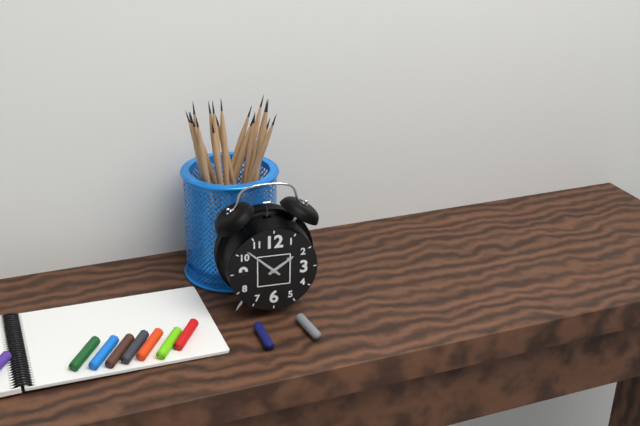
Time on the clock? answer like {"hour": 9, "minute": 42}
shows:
{"hour": 1, "minute": 52}
